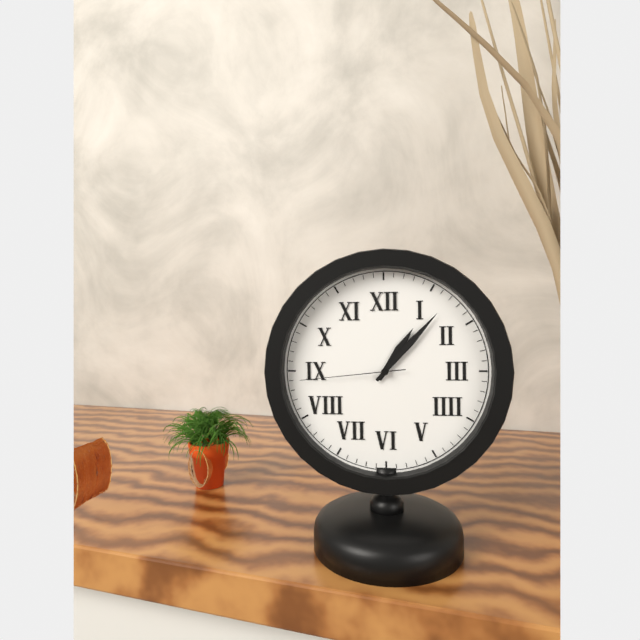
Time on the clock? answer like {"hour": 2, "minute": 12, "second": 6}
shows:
{"hour": 1, "minute": 7, "second": 44}
